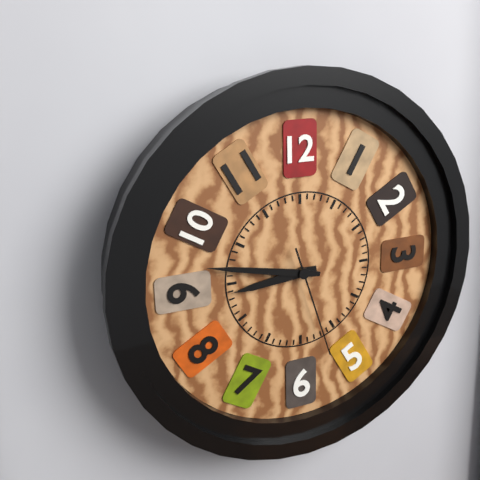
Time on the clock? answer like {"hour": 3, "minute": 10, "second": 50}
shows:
{"hour": 8, "minute": 47, "second": 27}
